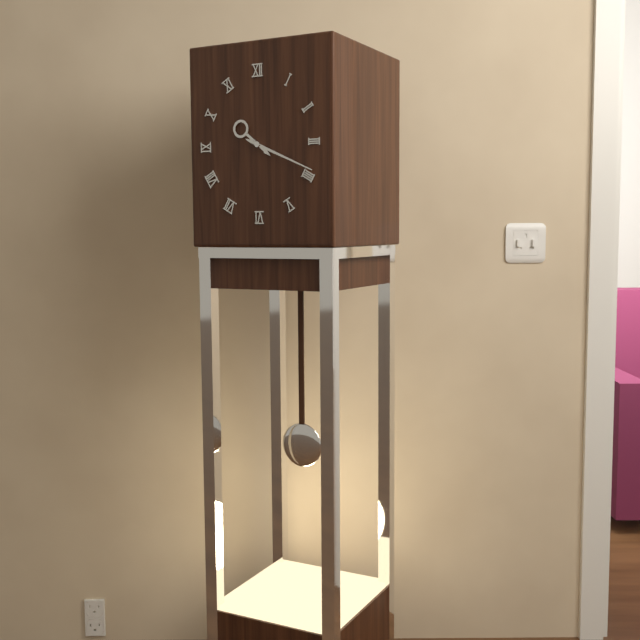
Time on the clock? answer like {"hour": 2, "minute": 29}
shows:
{"hour": 10, "minute": 19}
